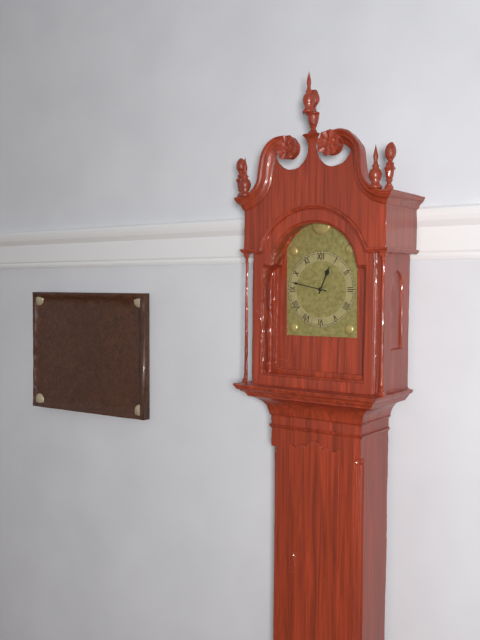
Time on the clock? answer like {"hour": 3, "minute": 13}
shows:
{"hour": 12, "minute": 47}
